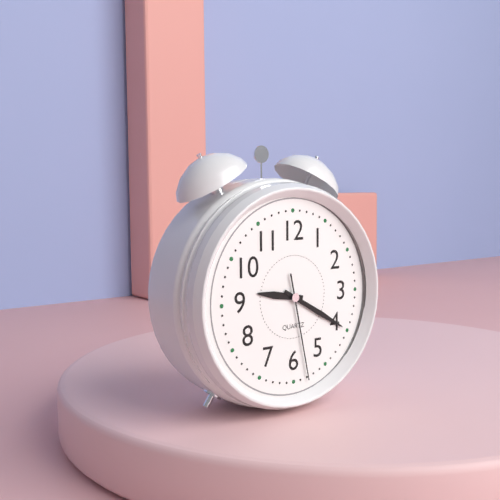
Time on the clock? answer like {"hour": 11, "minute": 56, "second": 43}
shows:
{"hour": 9, "minute": 20, "second": 28}
